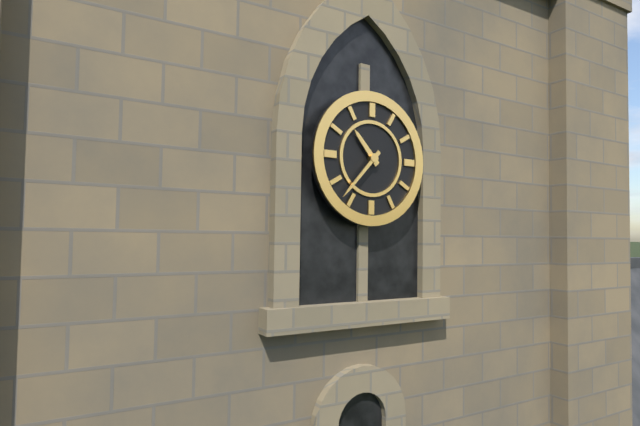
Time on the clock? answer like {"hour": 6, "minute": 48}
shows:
{"hour": 10, "minute": 37}
